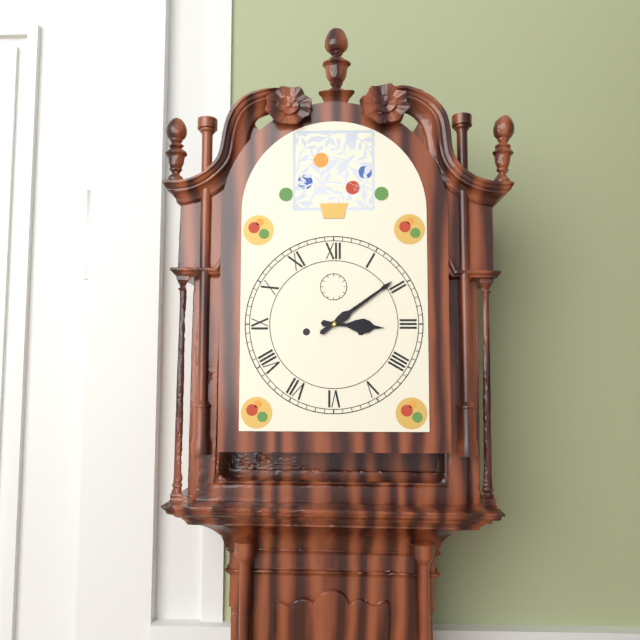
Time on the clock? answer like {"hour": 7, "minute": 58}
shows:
{"hour": 3, "minute": 9}
